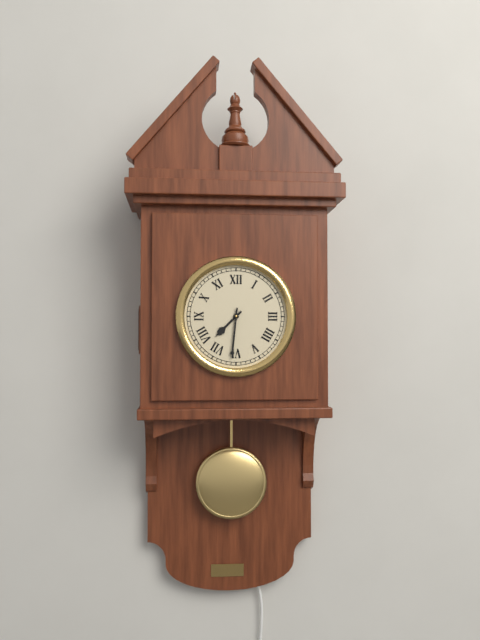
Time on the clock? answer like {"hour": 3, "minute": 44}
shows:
{"hour": 7, "minute": 31}
